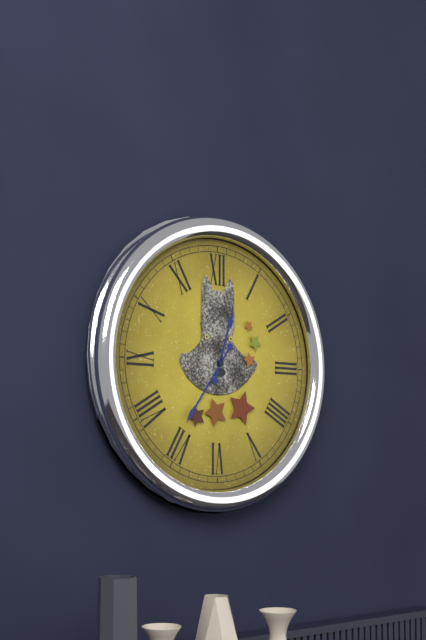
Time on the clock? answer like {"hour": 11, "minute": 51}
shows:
{"hour": 12, "minute": 36}
